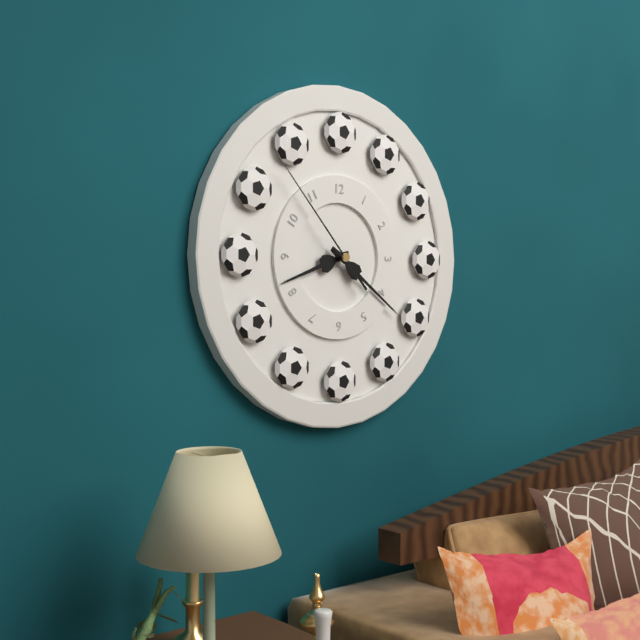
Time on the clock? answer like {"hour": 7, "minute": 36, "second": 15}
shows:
{"hour": 8, "minute": 21, "second": 53}
